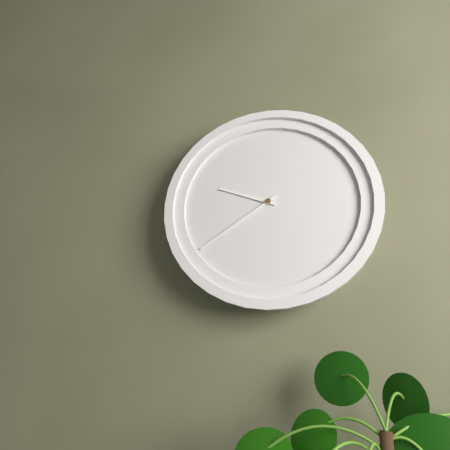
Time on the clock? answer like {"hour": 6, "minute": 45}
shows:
{"hour": 9, "minute": 39}
